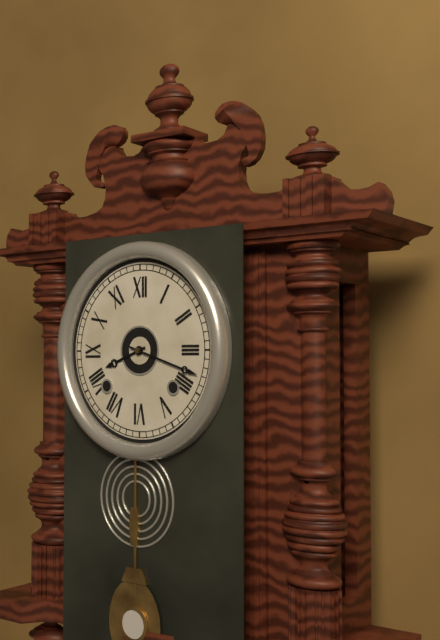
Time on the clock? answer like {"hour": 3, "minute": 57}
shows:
{"hour": 8, "minute": 18}
